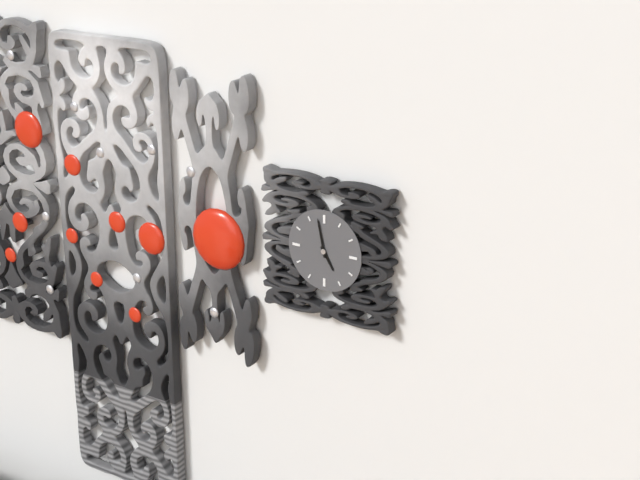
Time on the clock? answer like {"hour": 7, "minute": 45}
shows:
{"hour": 4, "minute": 58}
